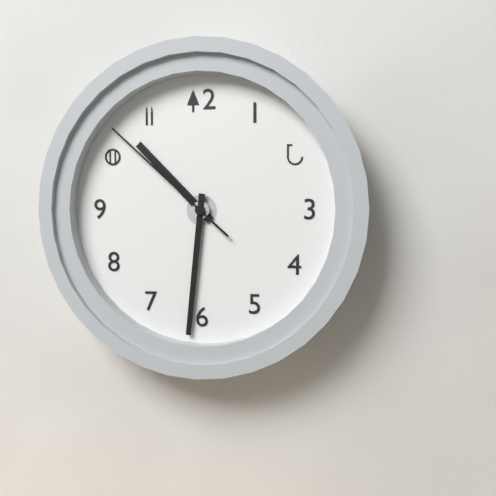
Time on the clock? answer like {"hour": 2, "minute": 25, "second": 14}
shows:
{"hour": 10, "minute": 31, "second": 52}
